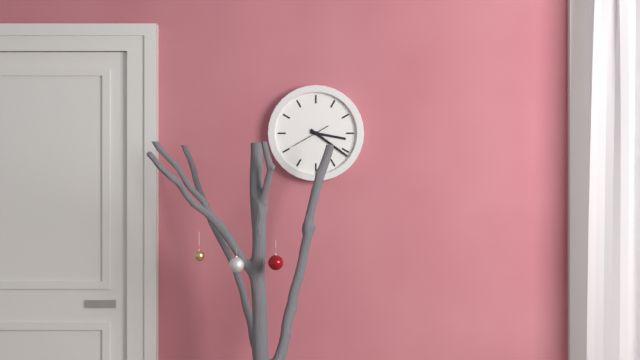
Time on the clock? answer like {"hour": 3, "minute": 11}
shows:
{"hour": 3, "minute": 21}
